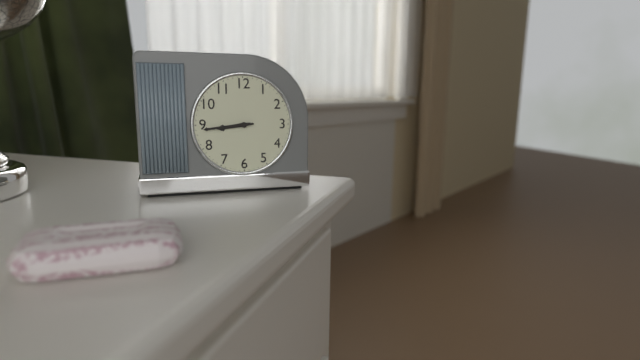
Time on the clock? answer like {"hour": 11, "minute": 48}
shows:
{"hour": 8, "minute": 44}
